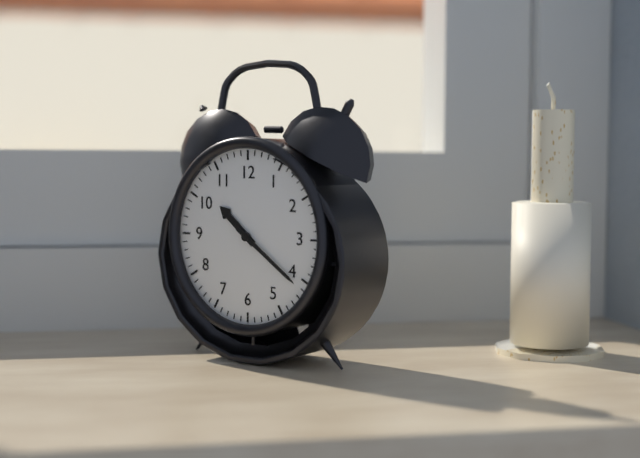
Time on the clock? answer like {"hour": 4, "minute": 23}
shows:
{"hour": 10, "minute": 21}
